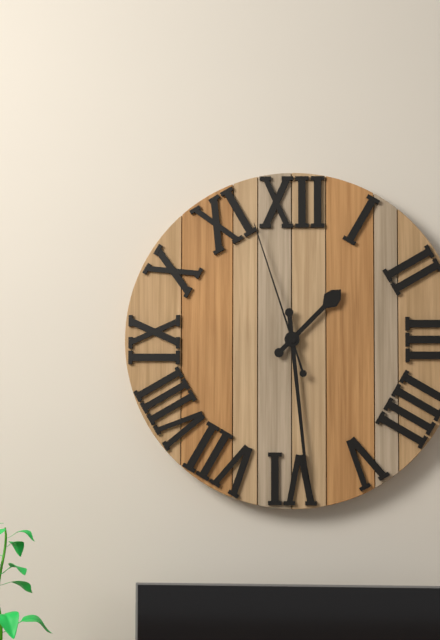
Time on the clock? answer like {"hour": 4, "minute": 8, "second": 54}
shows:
{"hour": 1, "minute": 29, "second": 57}
